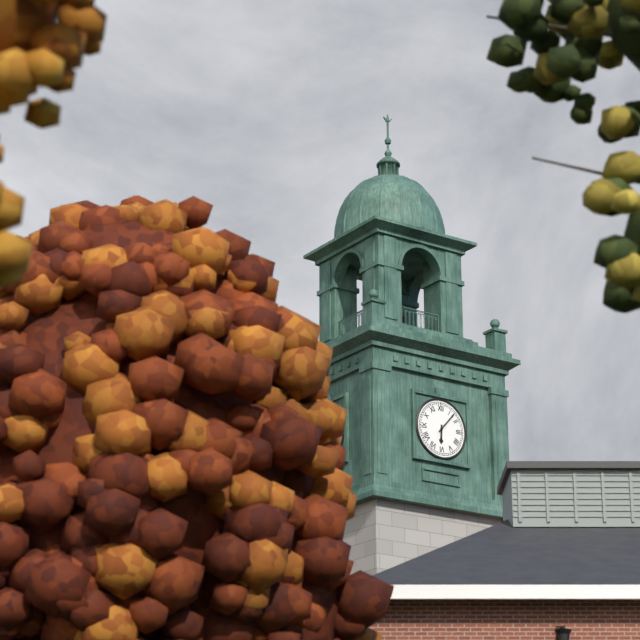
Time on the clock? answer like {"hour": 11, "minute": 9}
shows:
{"hour": 6, "minute": 7}
